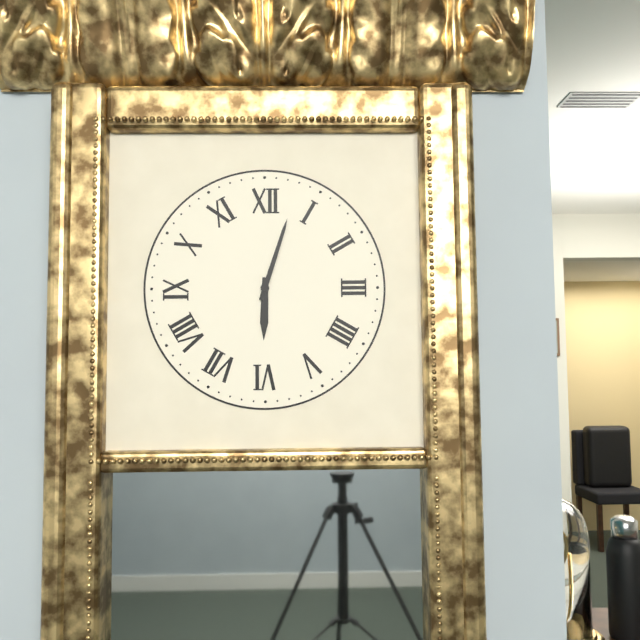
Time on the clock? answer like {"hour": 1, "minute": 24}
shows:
{"hour": 6, "minute": 3}
